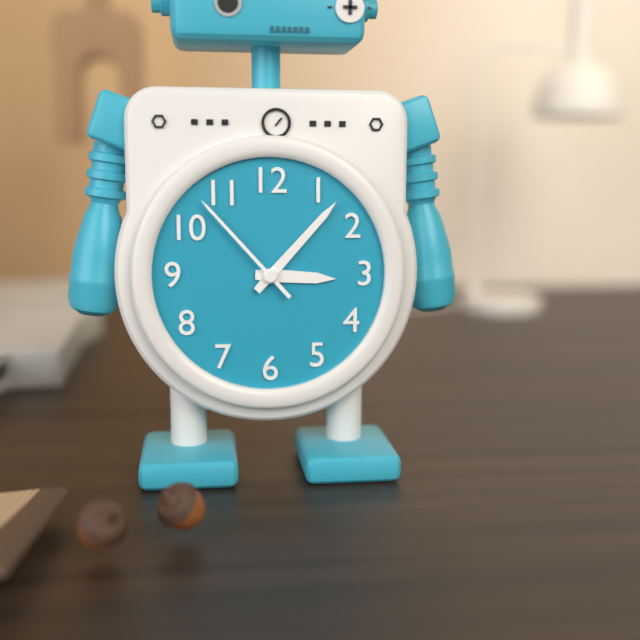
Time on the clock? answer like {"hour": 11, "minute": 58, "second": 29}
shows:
{"hour": 3, "minute": 7, "second": 53}
